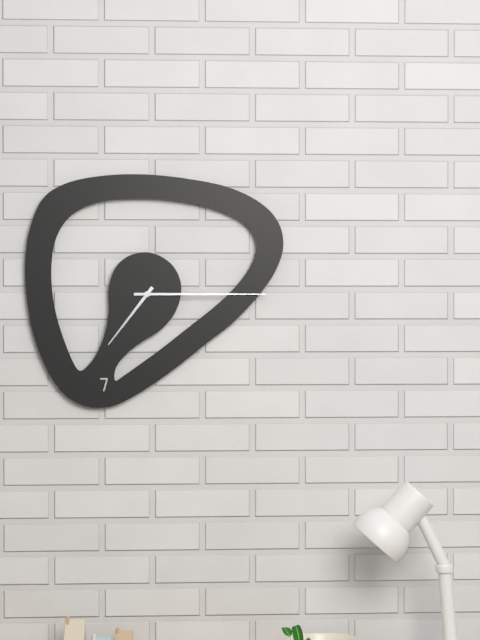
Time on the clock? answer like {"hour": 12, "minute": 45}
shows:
{"hour": 7, "minute": 15}
